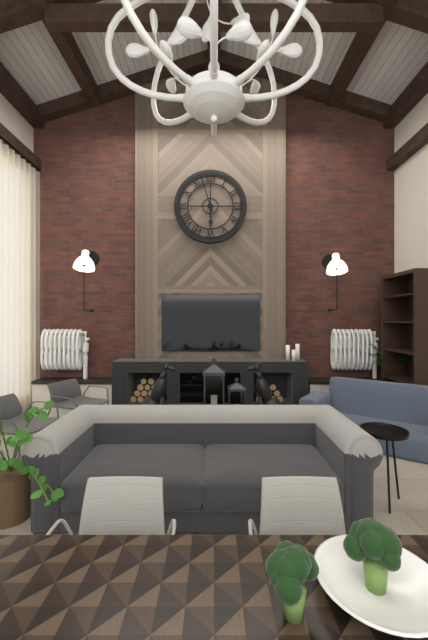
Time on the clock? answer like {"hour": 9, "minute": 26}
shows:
{"hour": 5, "minute": 57}
